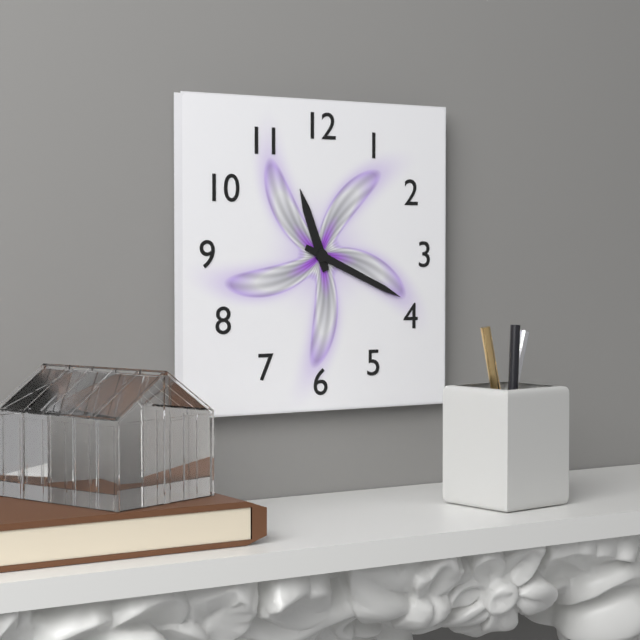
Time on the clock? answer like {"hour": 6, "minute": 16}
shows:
{"hour": 11, "minute": 19}
